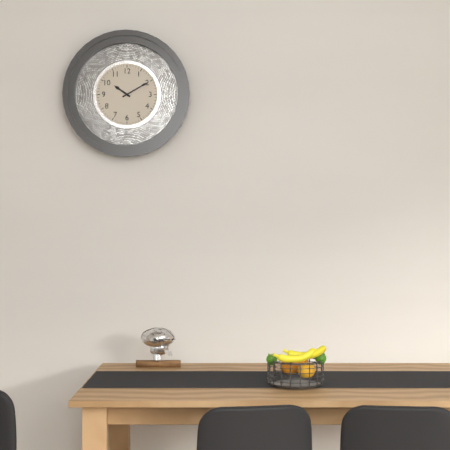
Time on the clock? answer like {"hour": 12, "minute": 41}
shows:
{"hour": 10, "minute": 10}
